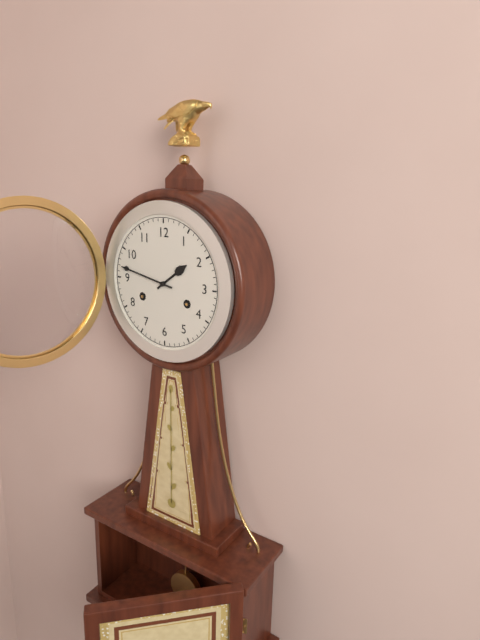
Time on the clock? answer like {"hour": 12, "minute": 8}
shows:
{"hour": 1, "minute": 47}
